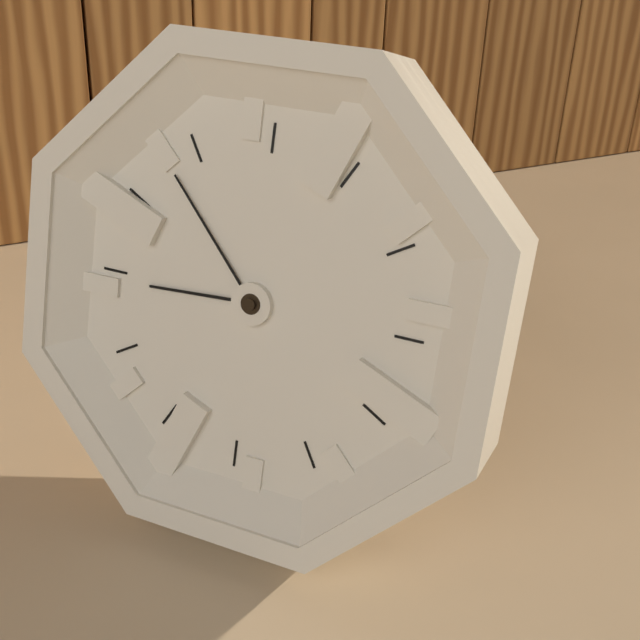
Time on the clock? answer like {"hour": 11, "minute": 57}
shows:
{"hour": 8, "minute": 53}
